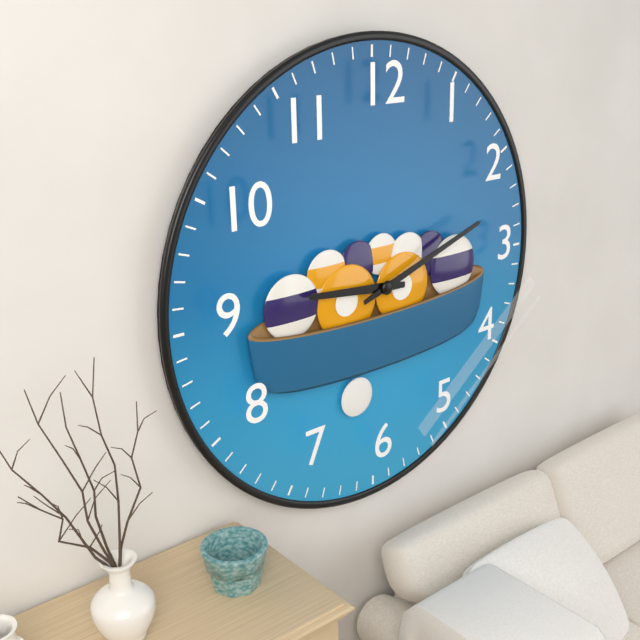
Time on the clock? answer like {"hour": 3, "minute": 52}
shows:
{"hour": 9, "minute": 12}
